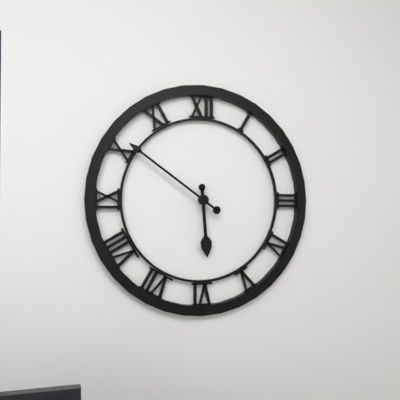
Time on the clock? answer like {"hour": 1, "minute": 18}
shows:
{"hour": 5, "minute": 51}
